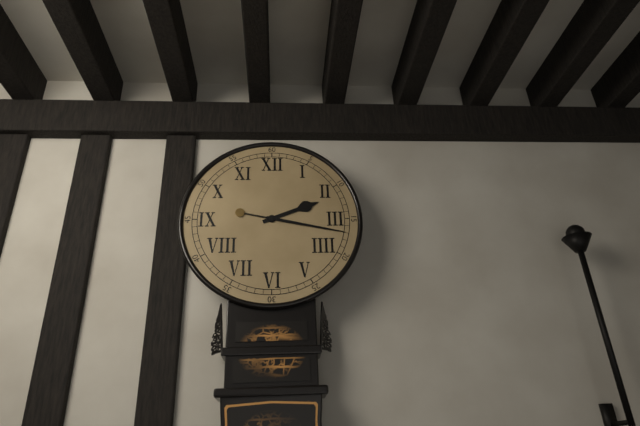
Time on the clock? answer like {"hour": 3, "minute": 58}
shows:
{"hour": 2, "minute": 17}
